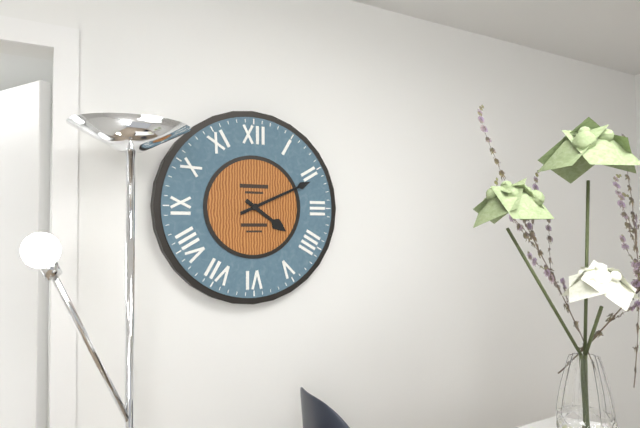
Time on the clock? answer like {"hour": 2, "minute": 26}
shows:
{"hour": 4, "minute": 11}
